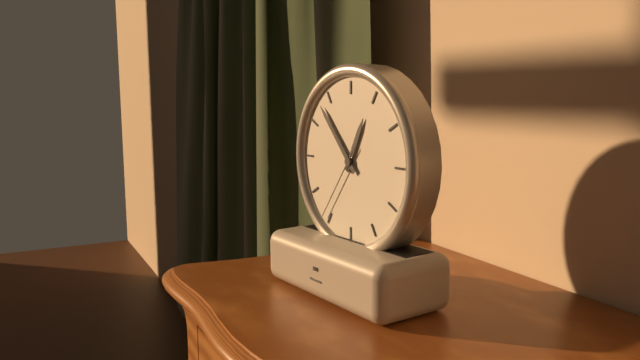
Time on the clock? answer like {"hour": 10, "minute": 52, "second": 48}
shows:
{"hour": 12, "minute": 53, "second": 36}
